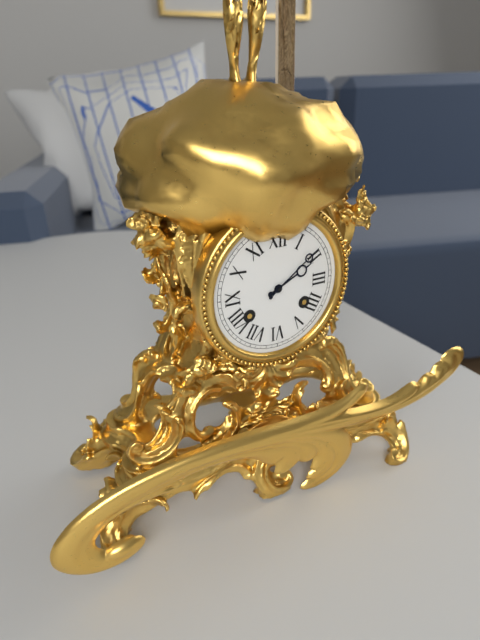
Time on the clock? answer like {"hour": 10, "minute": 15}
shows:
{"hour": 2, "minute": 9}
